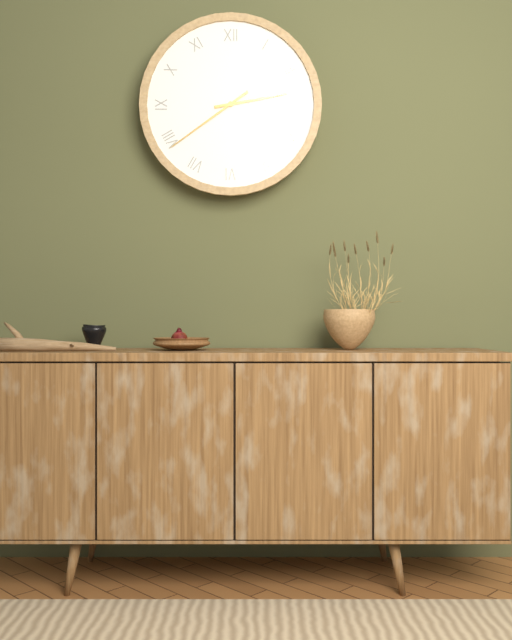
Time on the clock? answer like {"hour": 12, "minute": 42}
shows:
{"hour": 2, "minute": 39}
